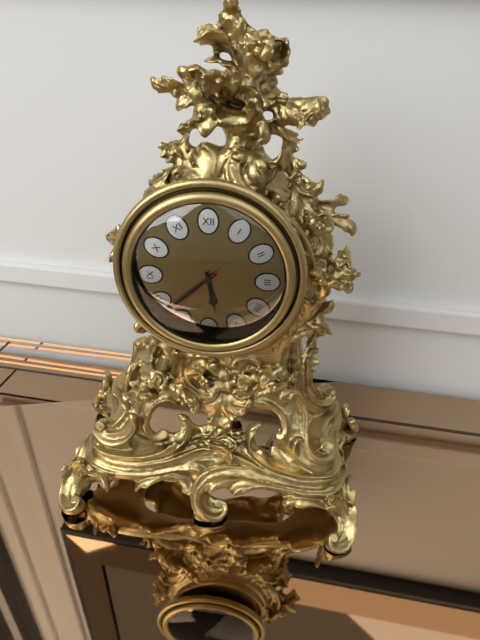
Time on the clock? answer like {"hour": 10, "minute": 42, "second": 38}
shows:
{"hour": 5, "minute": 38, "second": 37}
